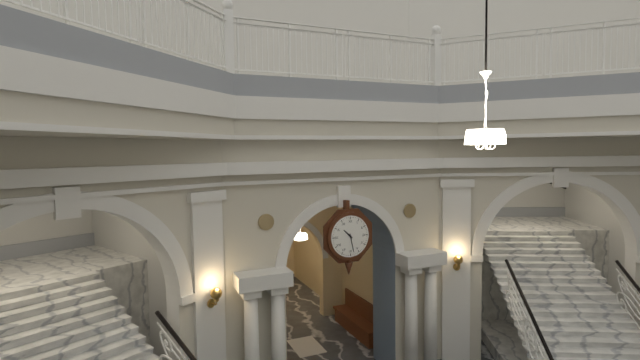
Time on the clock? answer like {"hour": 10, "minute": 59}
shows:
{"hour": 10, "minute": 28}
